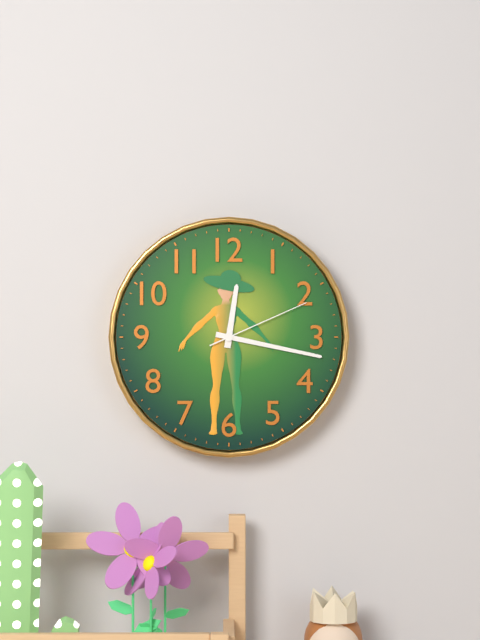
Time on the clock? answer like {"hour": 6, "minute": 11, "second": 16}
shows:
{"hour": 12, "minute": 17, "second": 11}
